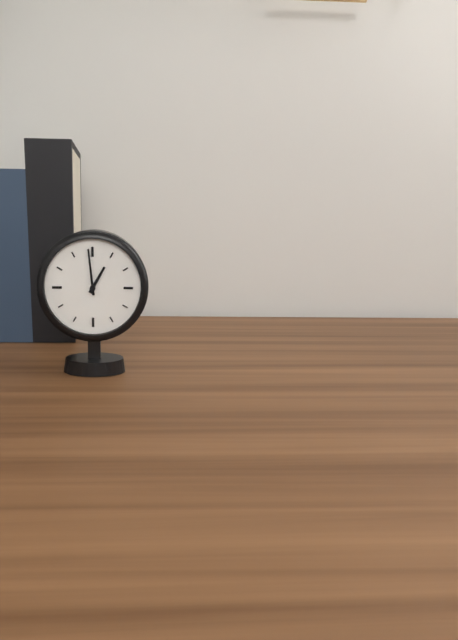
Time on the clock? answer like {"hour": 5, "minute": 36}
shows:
{"hour": 12, "minute": 59}
